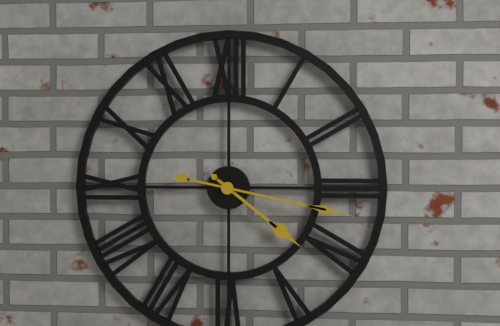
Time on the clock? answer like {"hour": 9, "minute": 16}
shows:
{"hour": 4, "minute": 17}
